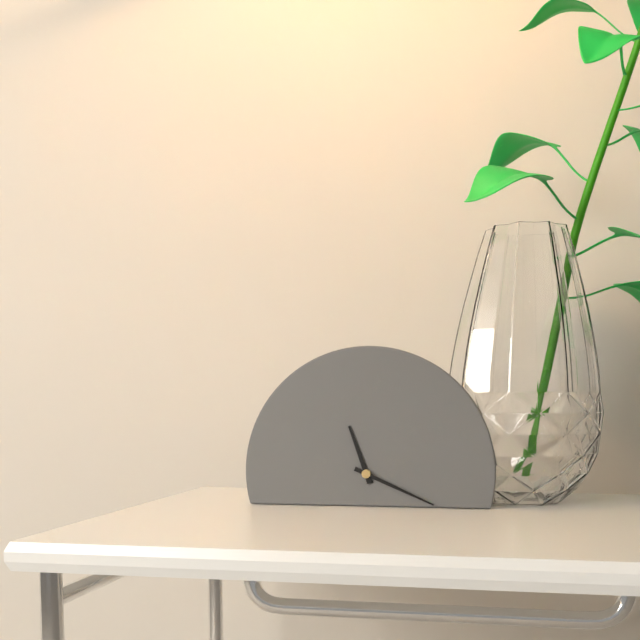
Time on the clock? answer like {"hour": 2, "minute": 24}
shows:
{"hour": 11, "minute": 19}
